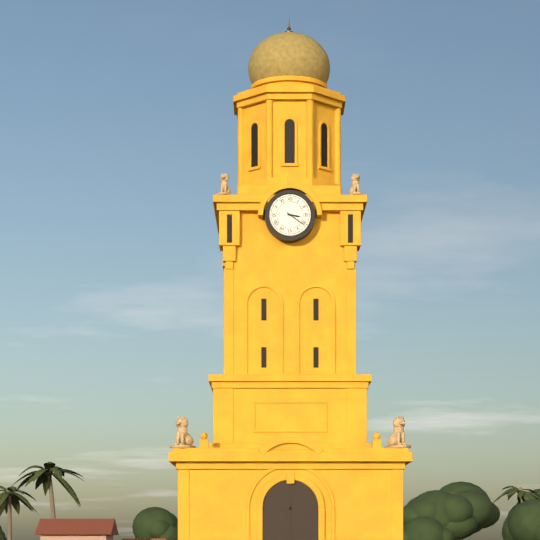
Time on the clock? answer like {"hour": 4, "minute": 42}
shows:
{"hour": 3, "minute": 21}
